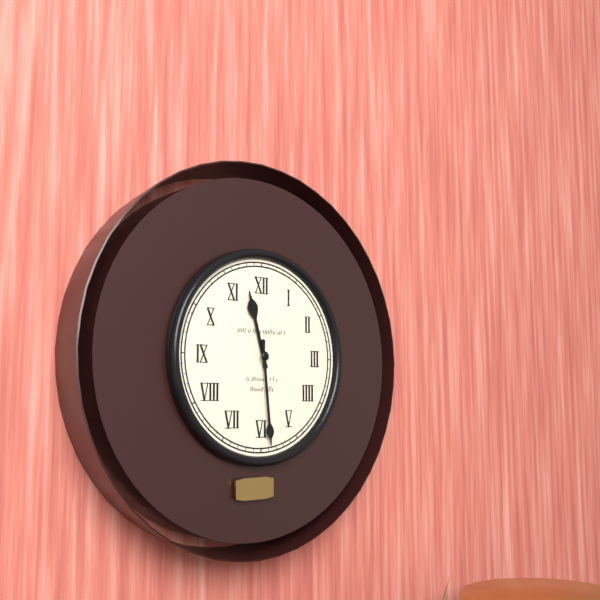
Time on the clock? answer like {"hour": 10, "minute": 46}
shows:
{"hour": 11, "minute": 29}
